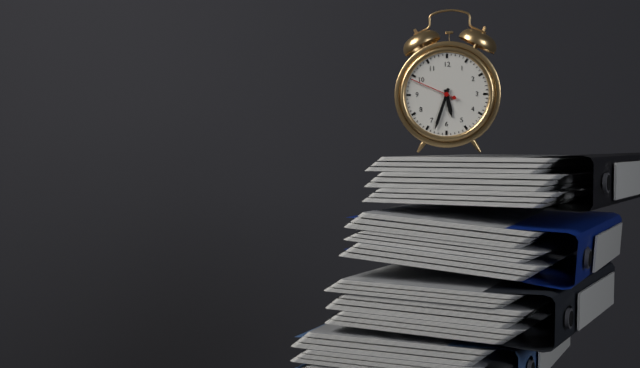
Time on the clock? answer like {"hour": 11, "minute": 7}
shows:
{"hour": 5, "minute": 33}
